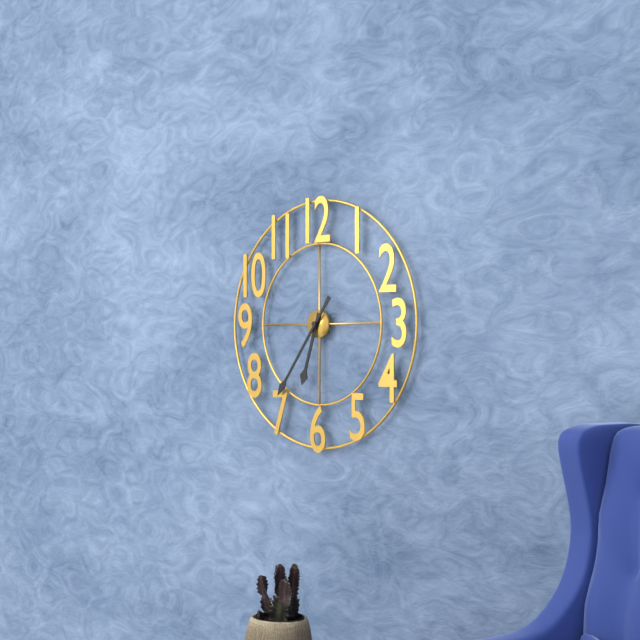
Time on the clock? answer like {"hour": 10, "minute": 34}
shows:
{"hour": 6, "minute": 36}
